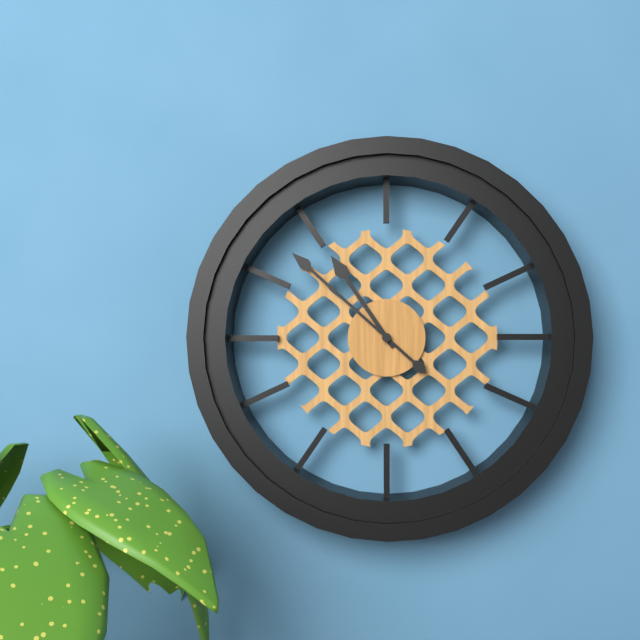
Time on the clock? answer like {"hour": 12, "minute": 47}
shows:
{"hour": 10, "minute": 52}
